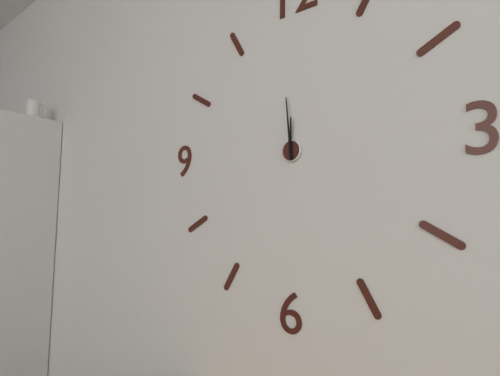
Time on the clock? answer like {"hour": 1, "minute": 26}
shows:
{"hour": 11, "minute": 59}
